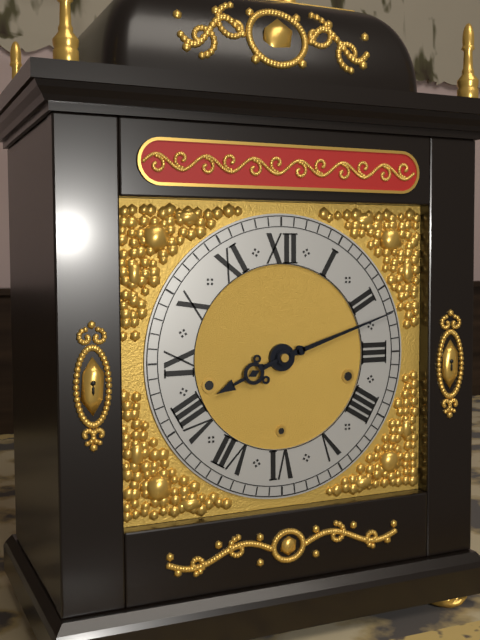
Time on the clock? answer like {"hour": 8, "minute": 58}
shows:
{"hour": 8, "minute": 12}
